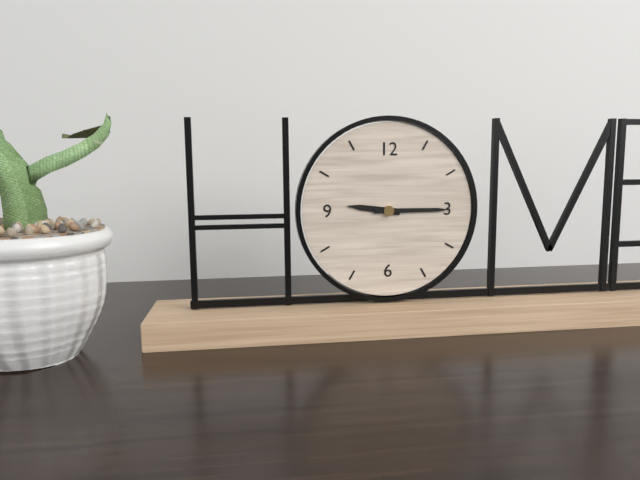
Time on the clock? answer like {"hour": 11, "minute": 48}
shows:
{"hour": 9, "minute": 15}
